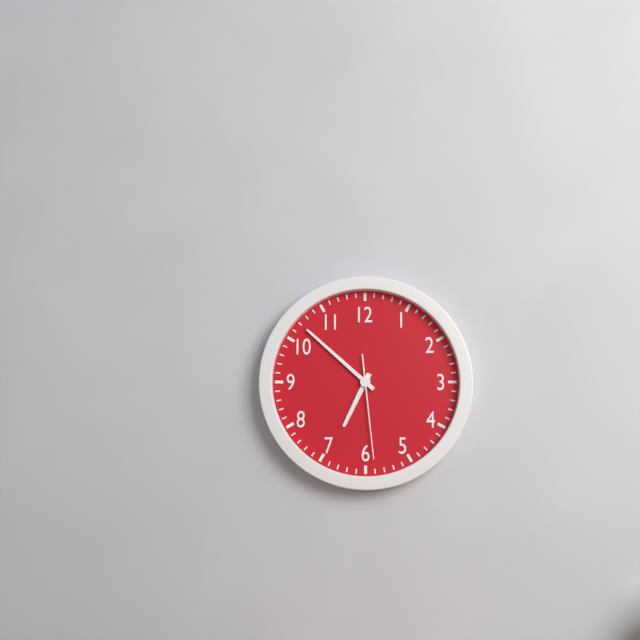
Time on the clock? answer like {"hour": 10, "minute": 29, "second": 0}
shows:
{"hour": 6, "minute": 52, "second": 29}
